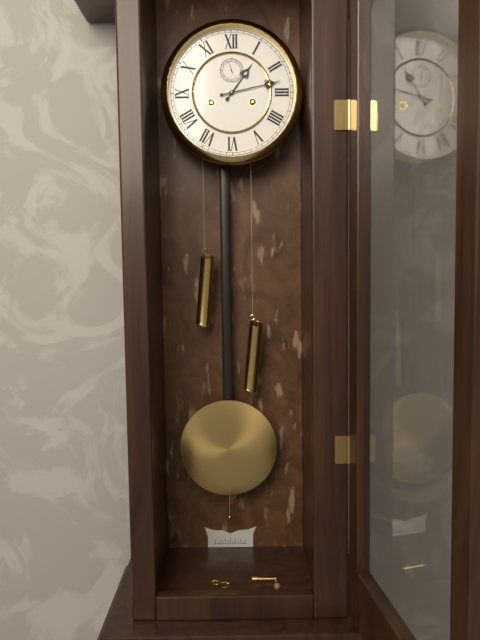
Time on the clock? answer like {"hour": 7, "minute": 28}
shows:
{"hour": 1, "minute": 13}
